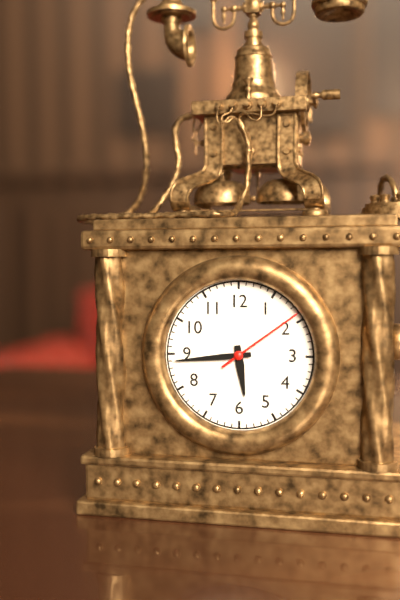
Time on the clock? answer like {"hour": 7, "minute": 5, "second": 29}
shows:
{"hour": 5, "minute": 44, "second": 9}
